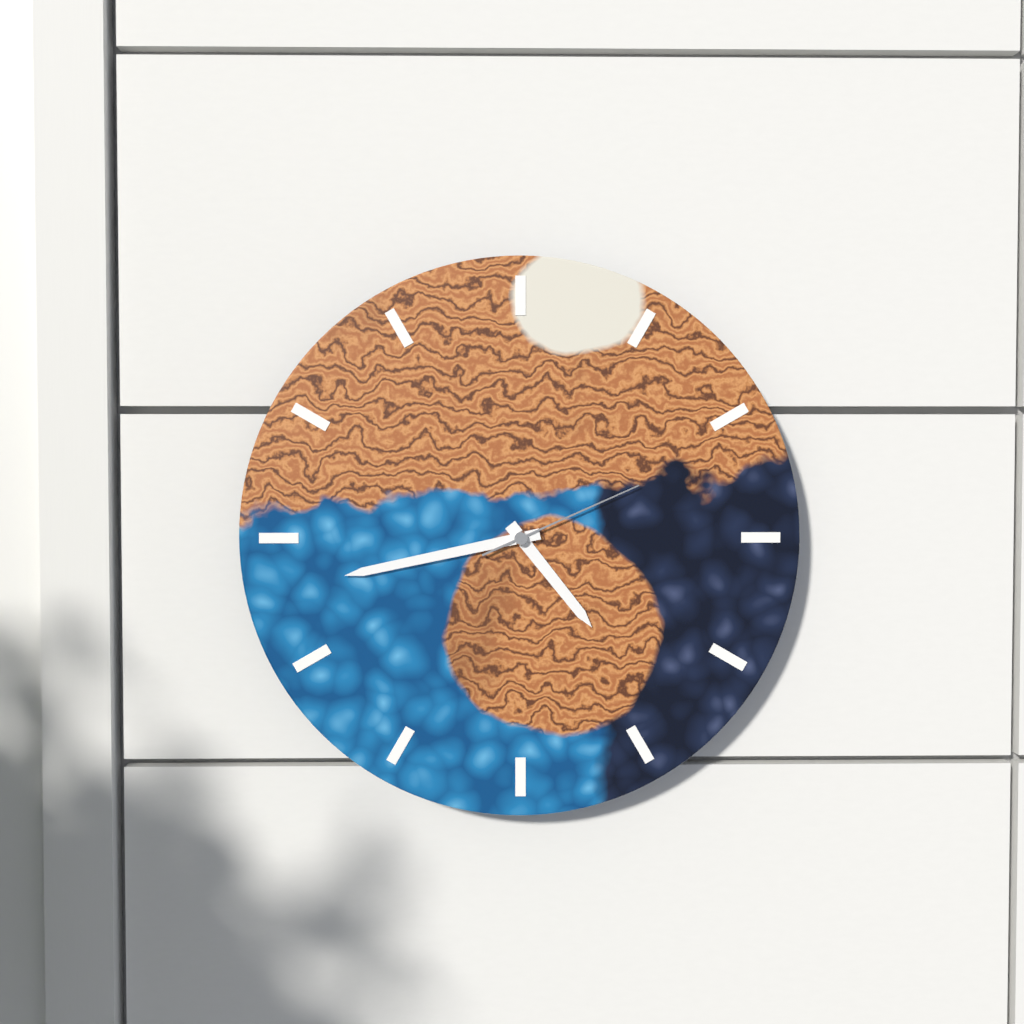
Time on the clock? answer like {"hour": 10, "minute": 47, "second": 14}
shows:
{"hour": 4, "minute": 43, "second": 11}
